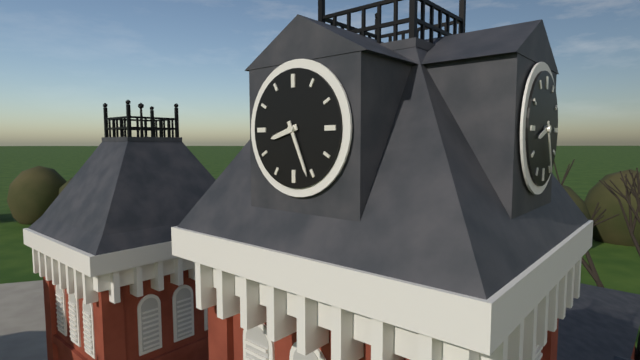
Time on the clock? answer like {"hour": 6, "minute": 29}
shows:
{"hour": 8, "minute": 26}
